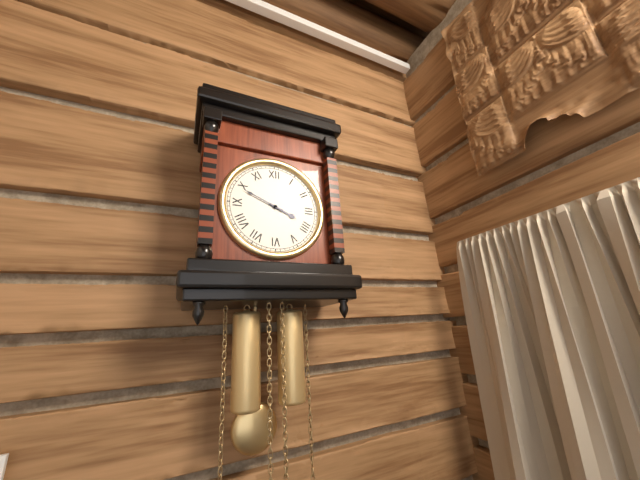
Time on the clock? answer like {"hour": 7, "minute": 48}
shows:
{"hour": 3, "minute": 49}
